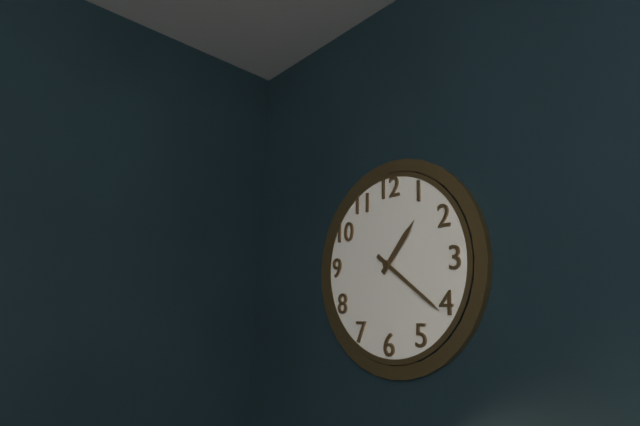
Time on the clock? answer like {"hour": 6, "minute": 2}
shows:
{"hour": 1, "minute": 21}
